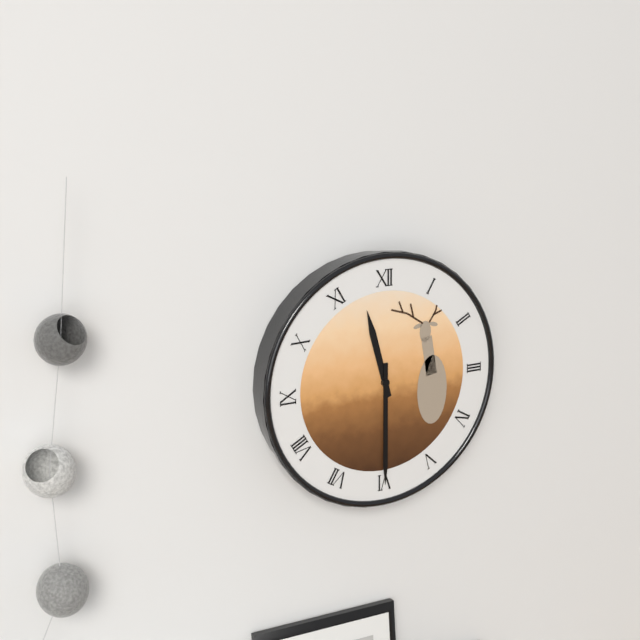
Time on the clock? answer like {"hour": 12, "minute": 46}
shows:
{"hour": 11, "minute": 30}
